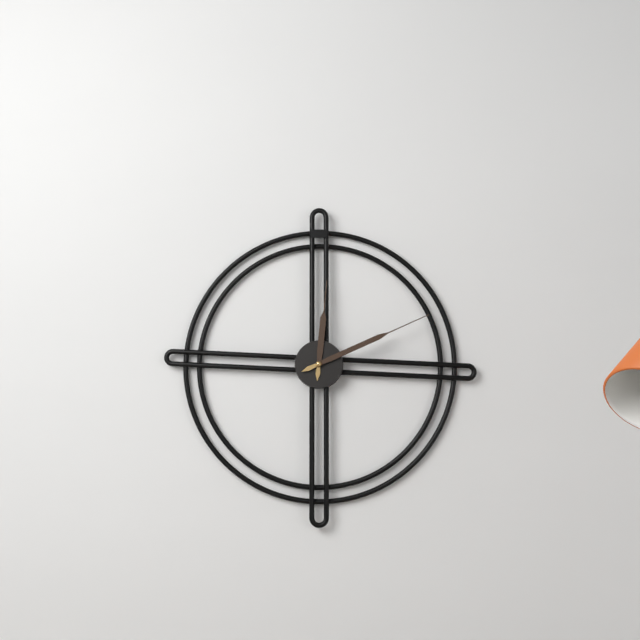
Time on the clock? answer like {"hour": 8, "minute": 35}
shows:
{"hour": 12, "minute": 11}
